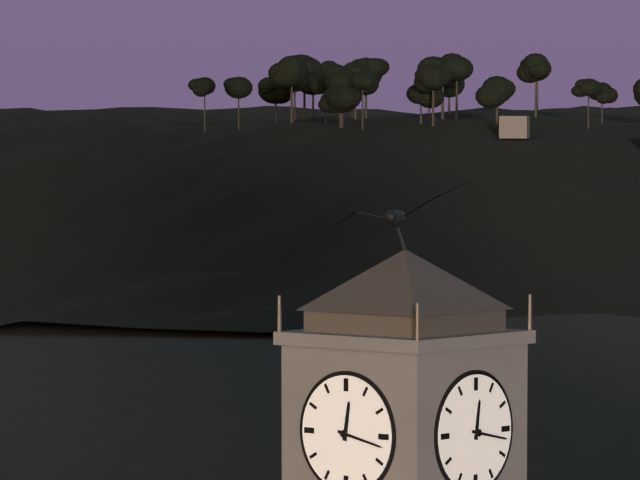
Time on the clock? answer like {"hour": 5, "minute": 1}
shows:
{"hour": 12, "minute": 17}
